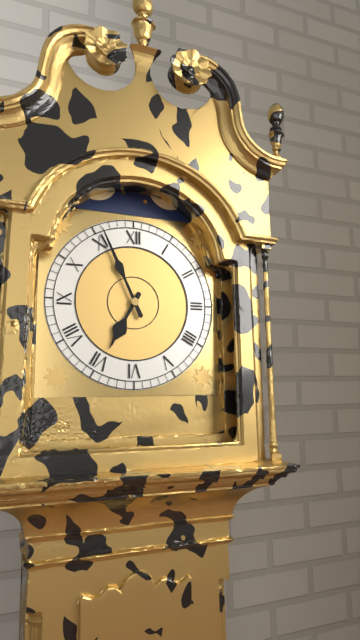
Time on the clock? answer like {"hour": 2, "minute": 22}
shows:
{"hour": 6, "minute": 56}
